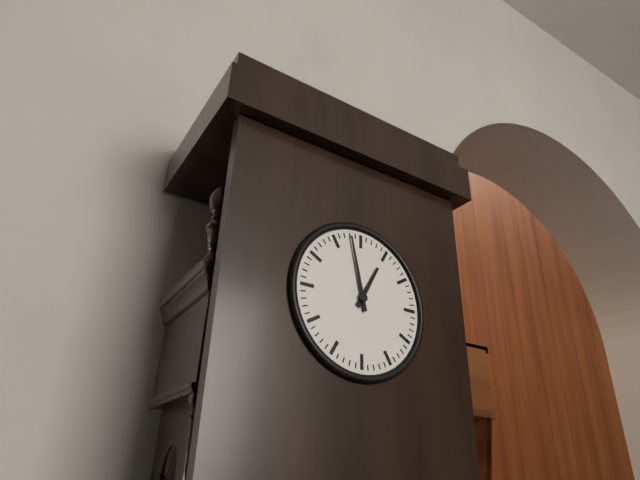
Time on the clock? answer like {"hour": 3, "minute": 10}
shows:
{"hour": 12, "minute": 58}
